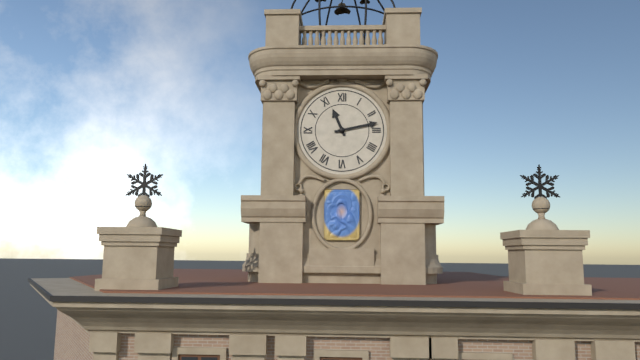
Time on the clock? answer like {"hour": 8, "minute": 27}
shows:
{"hour": 11, "minute": 13}
